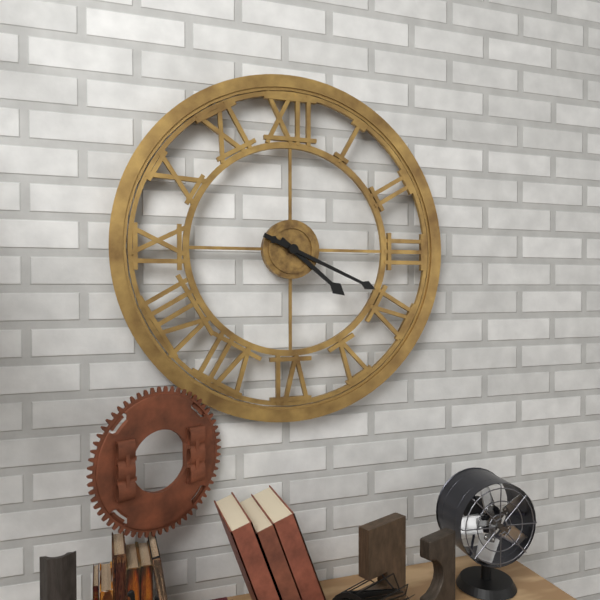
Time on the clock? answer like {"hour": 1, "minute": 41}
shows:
{"hour": 4, "minute": 19}
